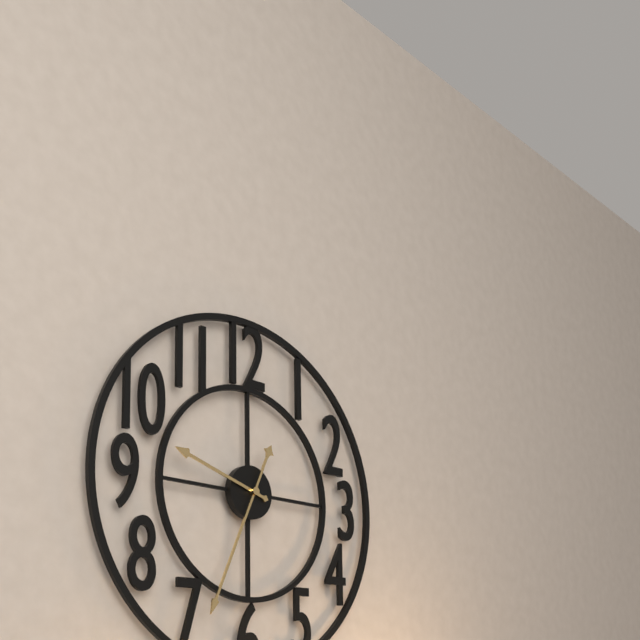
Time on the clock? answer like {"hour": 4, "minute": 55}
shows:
{"hour": 9, "minute": 34}
